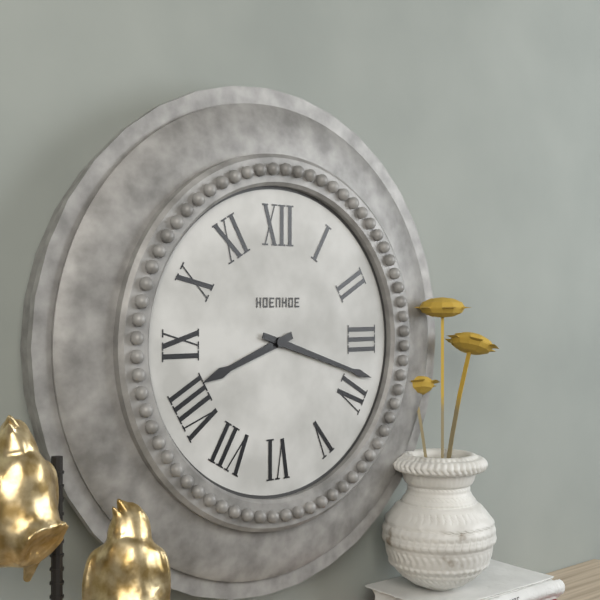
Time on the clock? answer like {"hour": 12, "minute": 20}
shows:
{"hour": 8, "minute": 18}
